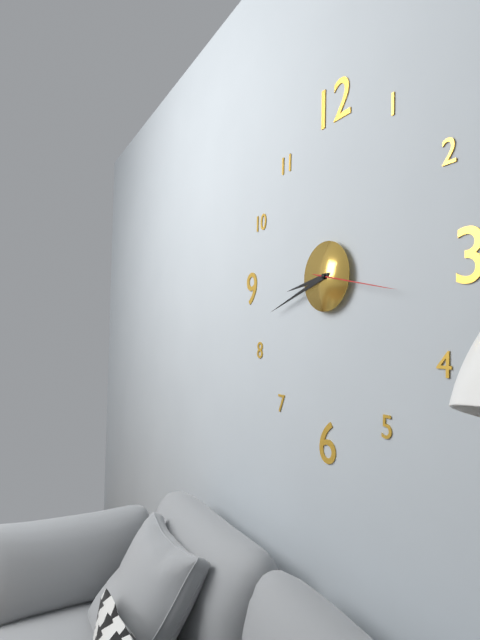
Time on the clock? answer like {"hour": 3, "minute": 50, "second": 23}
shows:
{"hour": 8, "minute": 42, "second": 17}
